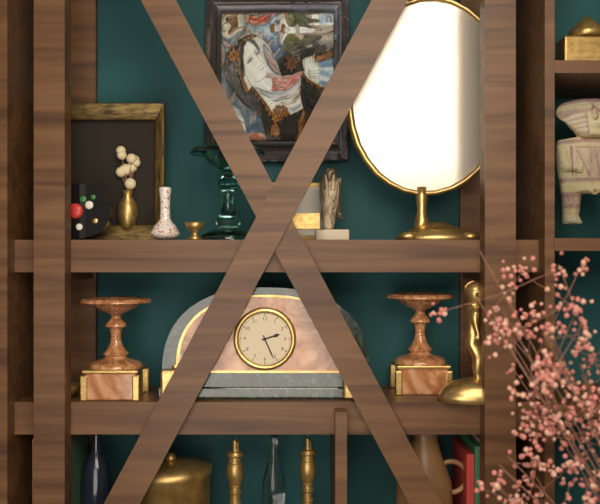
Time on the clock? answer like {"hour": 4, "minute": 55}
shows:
{"hour": 2, "minute": 26}
